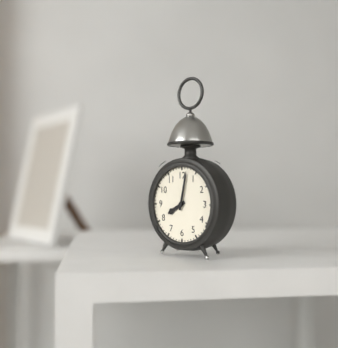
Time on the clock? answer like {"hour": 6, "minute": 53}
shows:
{"hour": 8, "minute": 2}
